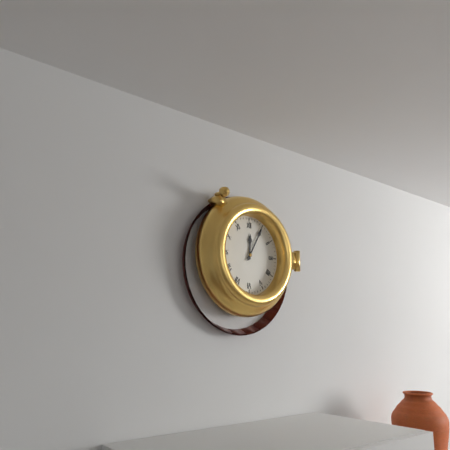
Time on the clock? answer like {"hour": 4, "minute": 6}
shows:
{"hour": 12, "minute": 5}
